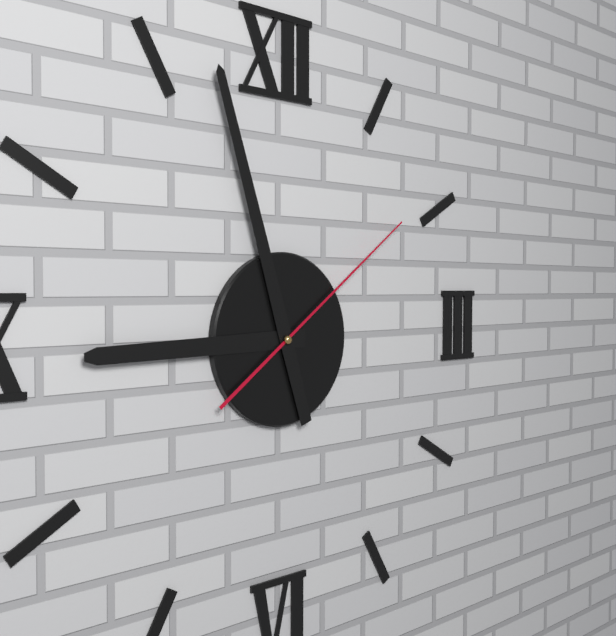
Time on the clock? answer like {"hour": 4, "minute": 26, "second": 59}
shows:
{"hour": 8, "minute": 57, "second": 9}
